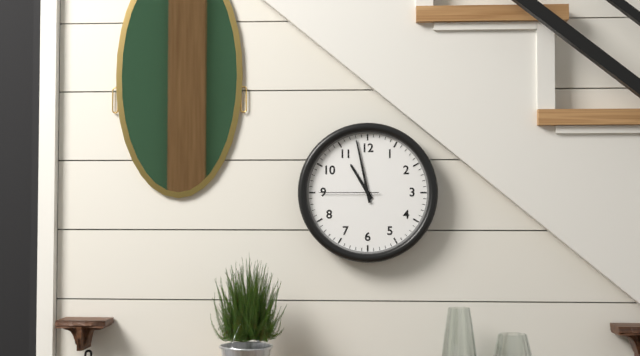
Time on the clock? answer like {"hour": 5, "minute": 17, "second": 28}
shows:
{"hour": 10, "minute": 58, "second": 45}
